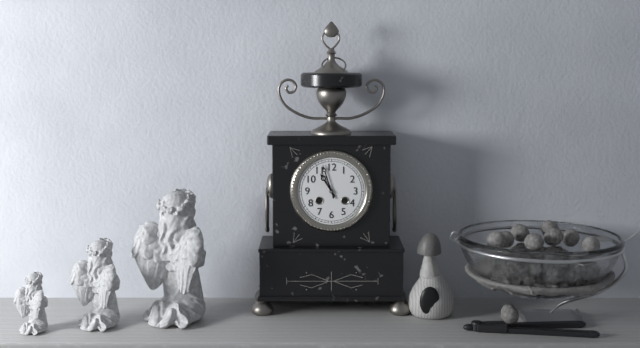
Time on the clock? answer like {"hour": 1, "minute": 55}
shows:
{"hour": 10, "minute": 57}
